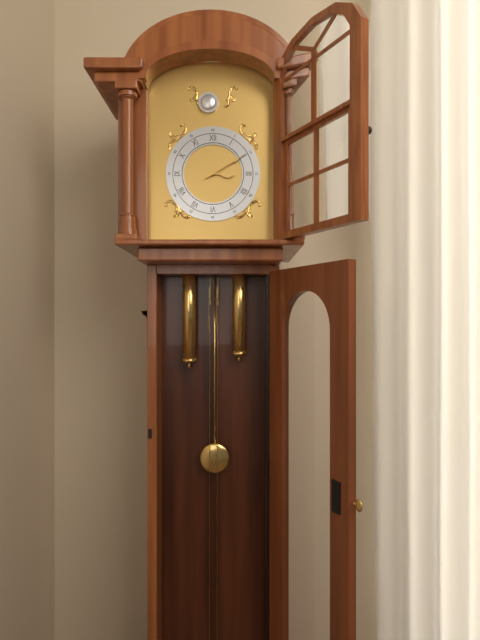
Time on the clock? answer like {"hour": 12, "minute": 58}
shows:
{"hour": 3, "minute": 10}
